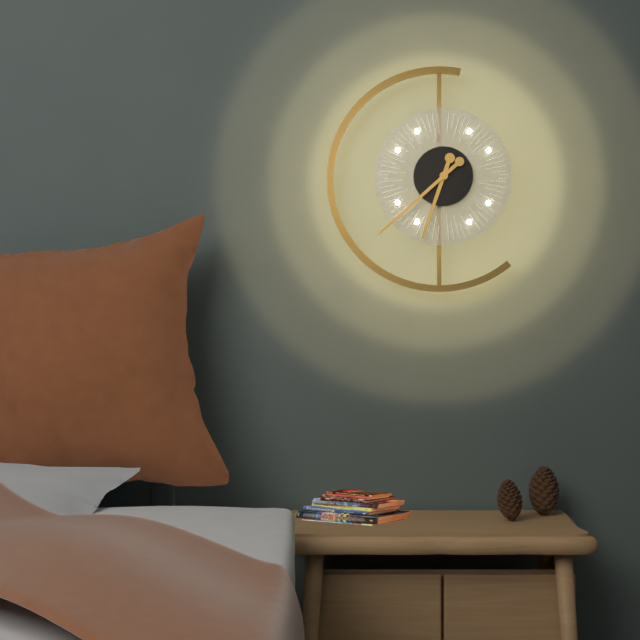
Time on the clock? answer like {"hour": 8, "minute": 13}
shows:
{"hour": 6, "minute": 38}
